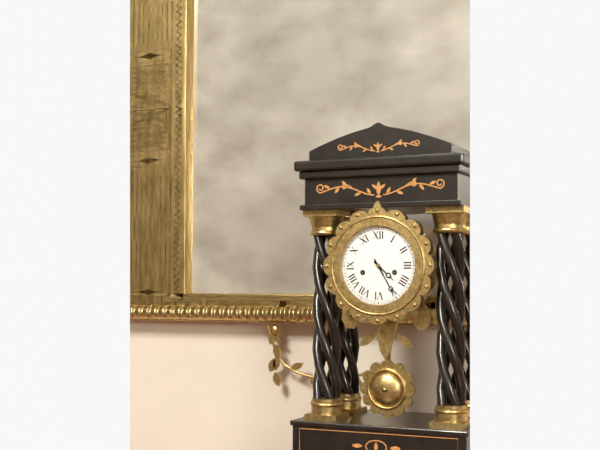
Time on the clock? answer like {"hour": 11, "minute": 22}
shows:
{"hour": 4, "minute": 25}
